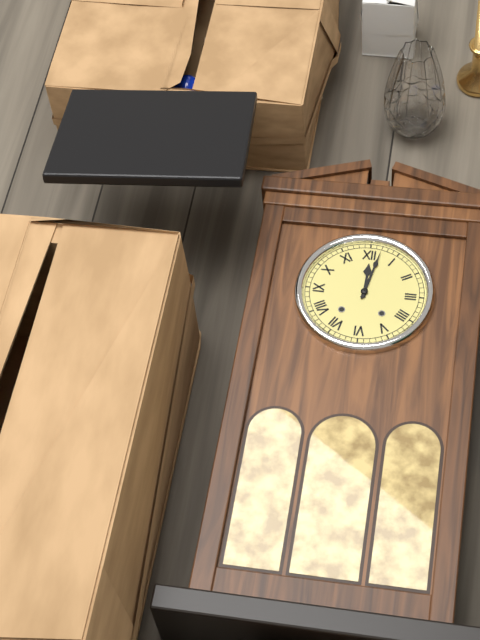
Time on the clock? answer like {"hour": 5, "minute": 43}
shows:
{"hour": 12, "minute": 2}
